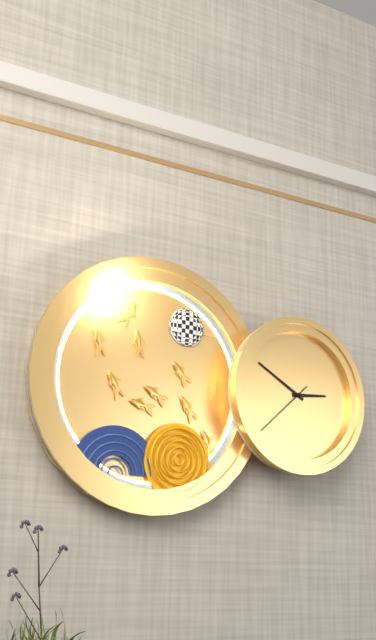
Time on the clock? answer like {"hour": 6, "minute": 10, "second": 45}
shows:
{"hour": 2, "minute": 50, "second": 38}
